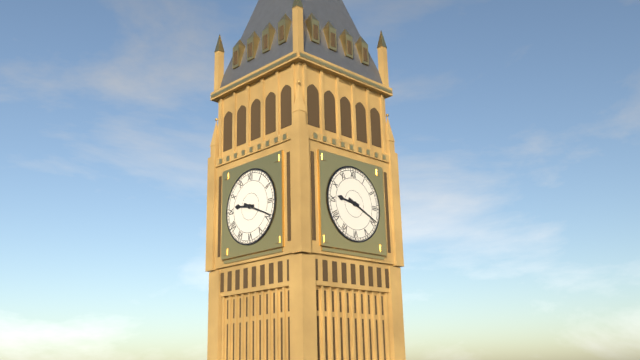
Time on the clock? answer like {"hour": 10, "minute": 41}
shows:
{"hour": 9, "minute": 19}
